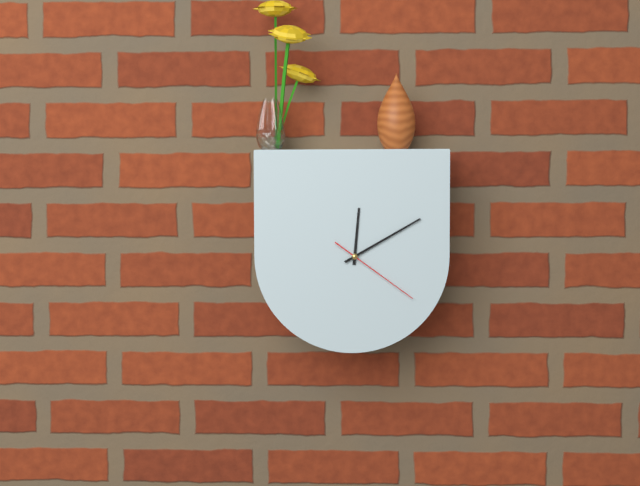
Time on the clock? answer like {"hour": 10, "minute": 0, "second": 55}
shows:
{"hour": 12, "minute": 10, "second": 21}
